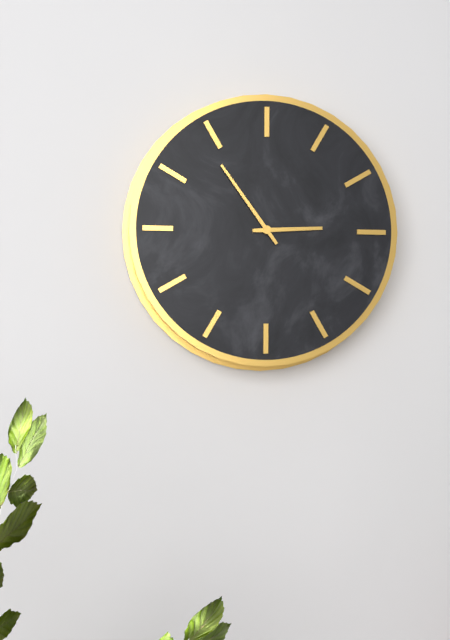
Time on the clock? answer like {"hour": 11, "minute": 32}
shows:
{"hour": 2, "minute": 54}
